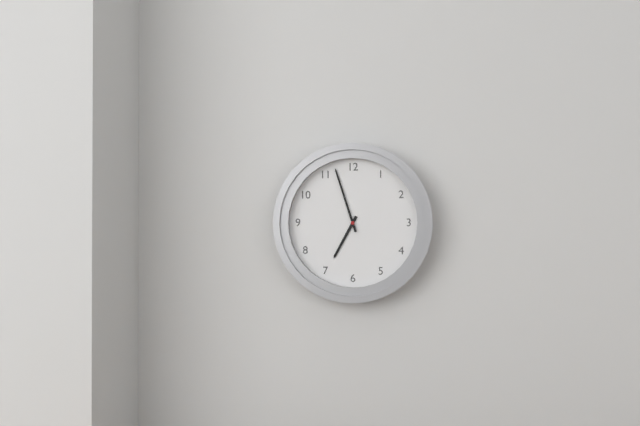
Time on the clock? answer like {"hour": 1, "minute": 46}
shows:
{"hour": 6, "minute": 57}
